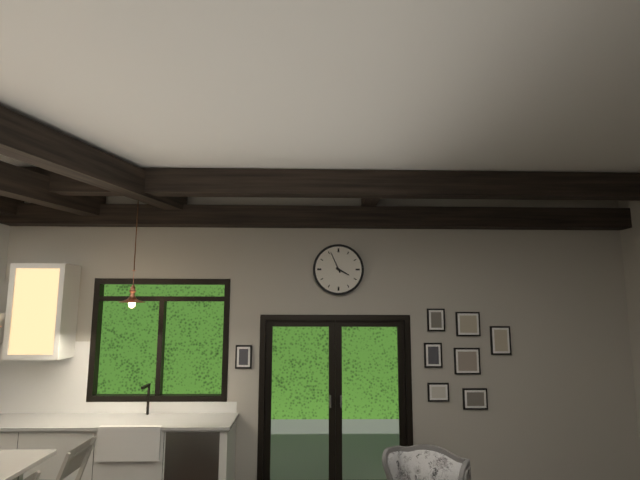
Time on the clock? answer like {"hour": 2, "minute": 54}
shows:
{"hour": 3, "minute": 56}
